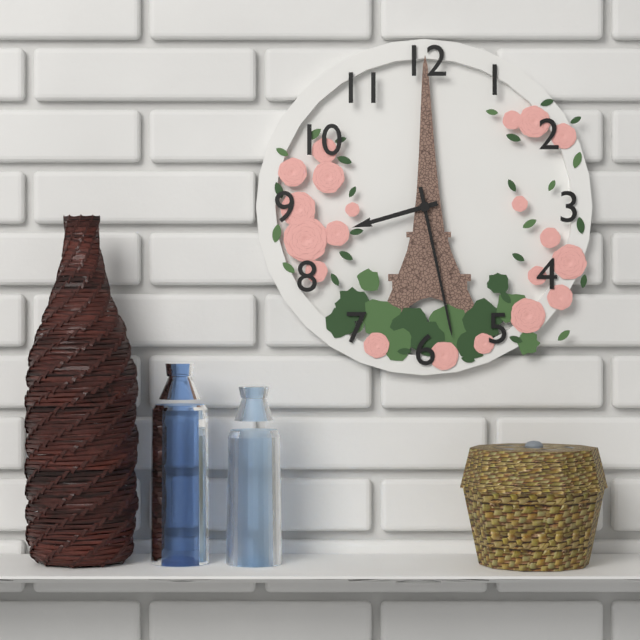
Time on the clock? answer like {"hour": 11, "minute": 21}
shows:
{"hour": 8, "minute": 28}
